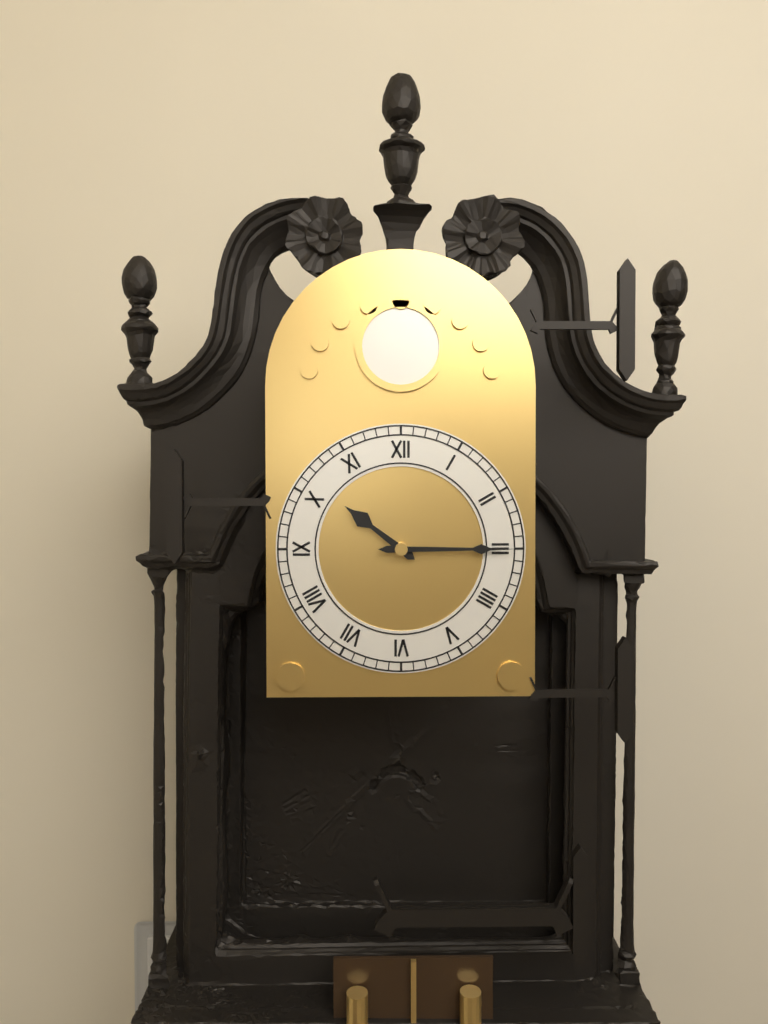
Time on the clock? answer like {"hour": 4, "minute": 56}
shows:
{"hour": 10, "minute": 15}
